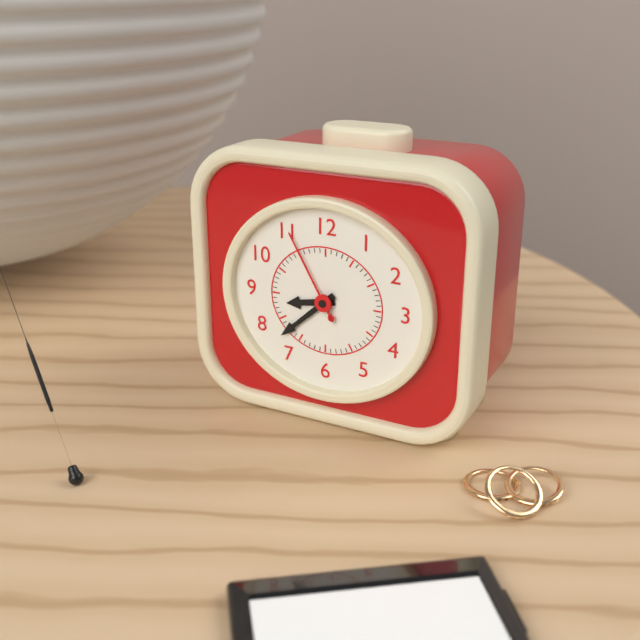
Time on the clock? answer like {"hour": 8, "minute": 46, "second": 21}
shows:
{"hour": 8, "minute": 38, "second": 55}
